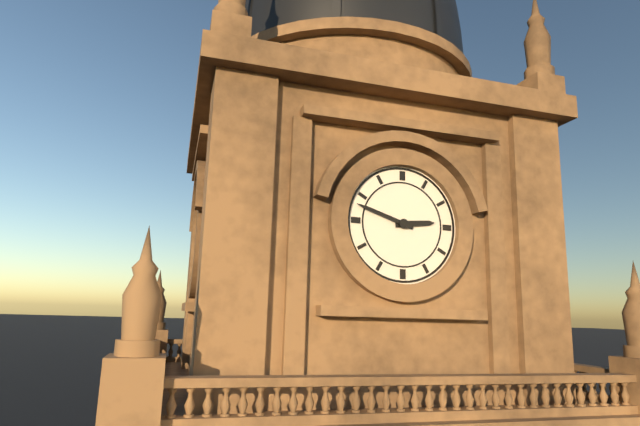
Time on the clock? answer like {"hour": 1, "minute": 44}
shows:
{"hour": 2, "minute": 48}
